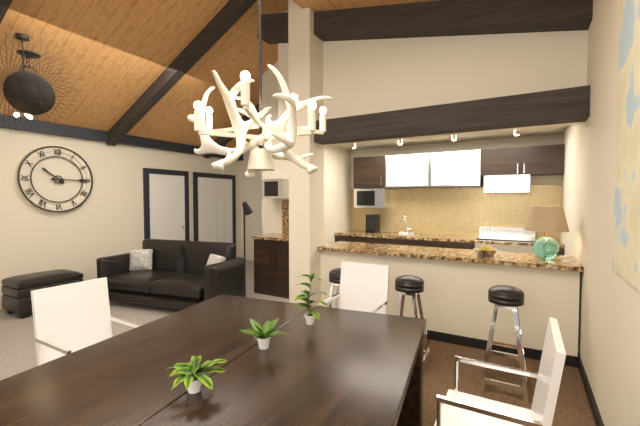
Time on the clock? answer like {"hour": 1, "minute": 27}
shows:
{"hour": 10, "minute": 15}
